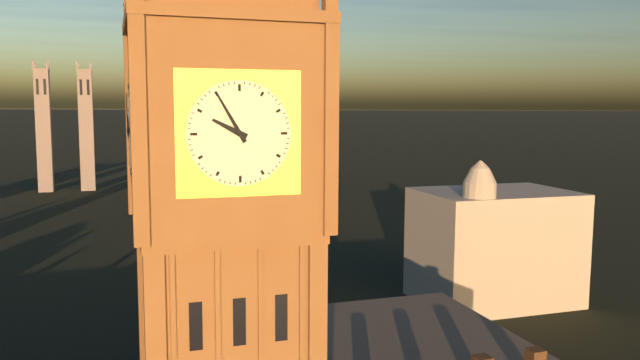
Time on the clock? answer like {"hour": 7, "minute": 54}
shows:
{"hour": 9, "minute": 55}
